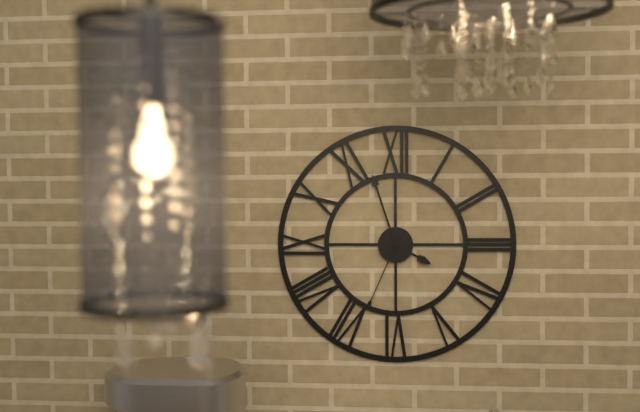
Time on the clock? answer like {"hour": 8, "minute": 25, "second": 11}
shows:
{"hour": 3, "minute": 57, "second": 34}
